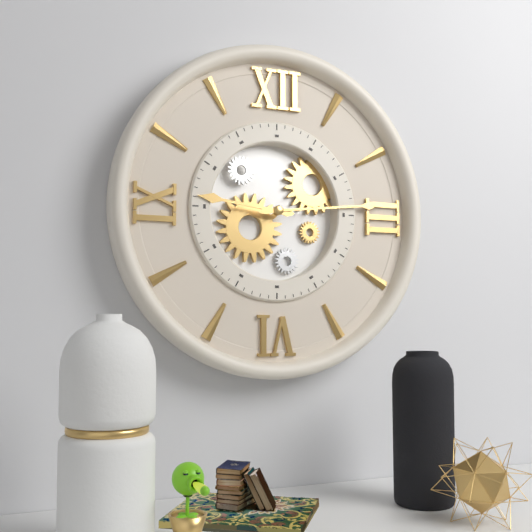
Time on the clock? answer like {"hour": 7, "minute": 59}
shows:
{"hour": 9, "minute": 14}
